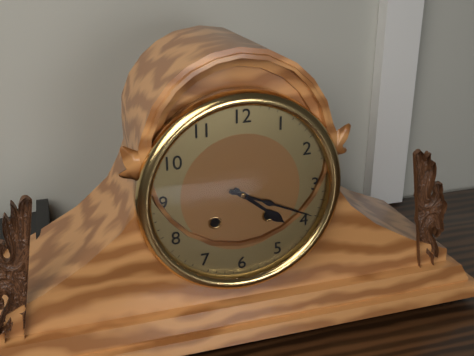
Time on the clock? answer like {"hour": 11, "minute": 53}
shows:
{"hour": 4, "minute": 19}
